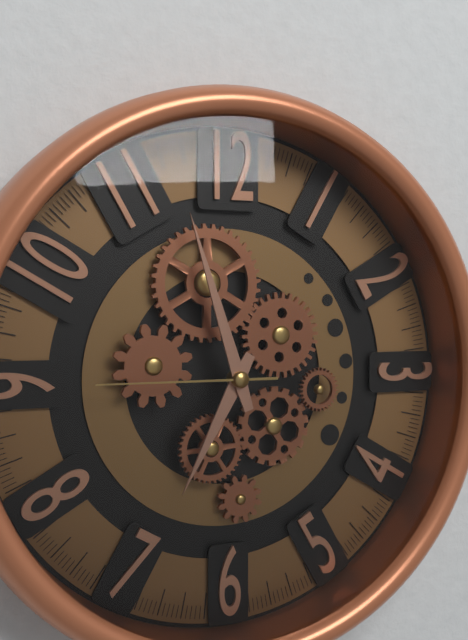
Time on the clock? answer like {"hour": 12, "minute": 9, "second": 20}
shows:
{"hour": 6, "minute": 57, "second": 45}
